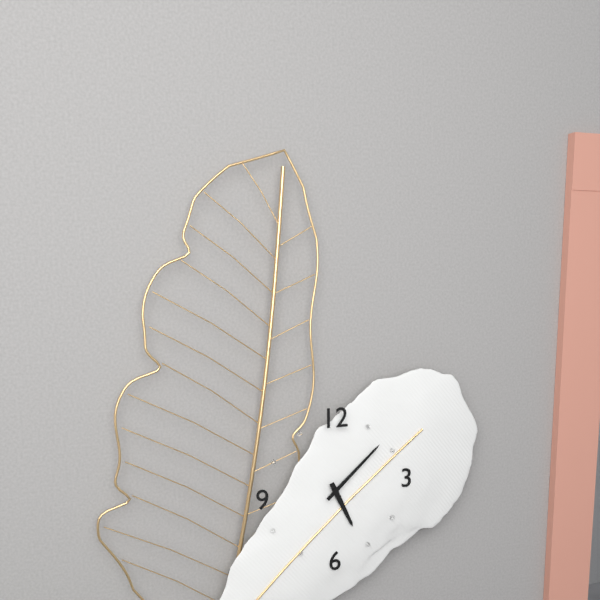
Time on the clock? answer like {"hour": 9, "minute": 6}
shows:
{"hour": 5, "minute": 8}
